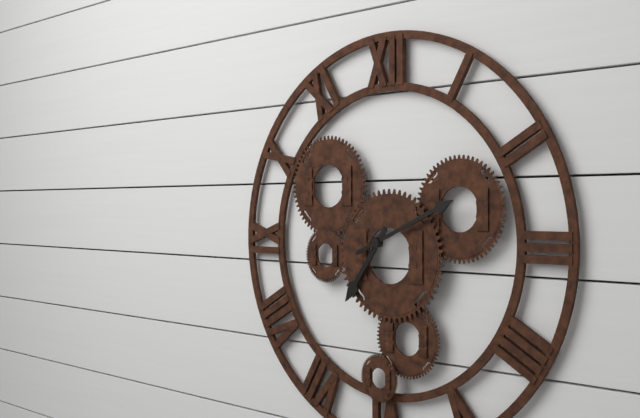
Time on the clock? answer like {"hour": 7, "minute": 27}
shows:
{"hour": 7, "minute": 11}
